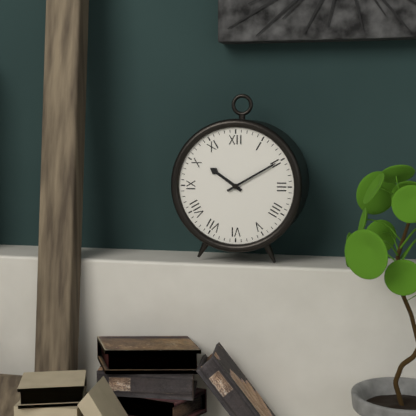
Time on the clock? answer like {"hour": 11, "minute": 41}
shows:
{"hour": 10, "minute": 10}
